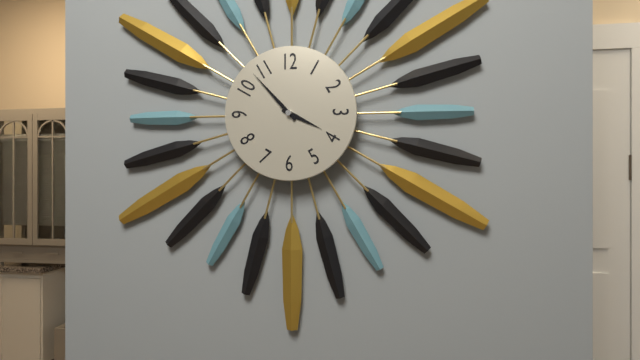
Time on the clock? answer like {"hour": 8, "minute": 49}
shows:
{"hour": 3, "minute": 53}
